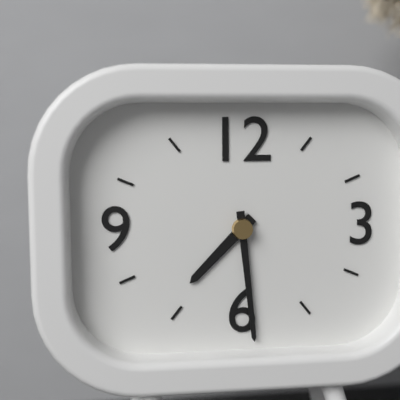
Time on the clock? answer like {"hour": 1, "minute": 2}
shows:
{"hour": 7, "minute": 29}
